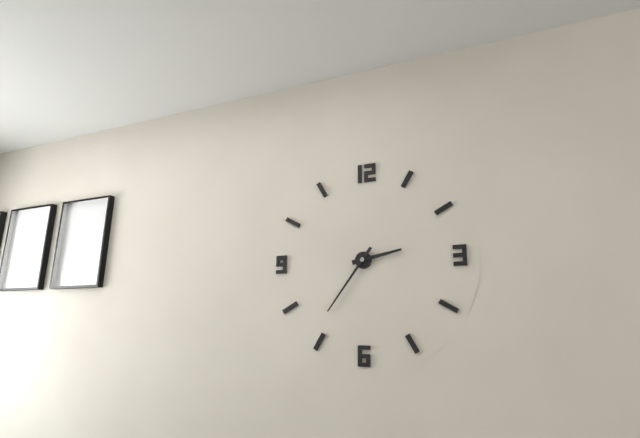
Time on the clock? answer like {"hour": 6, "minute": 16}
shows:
{"hour": 2, "minute": 36}
